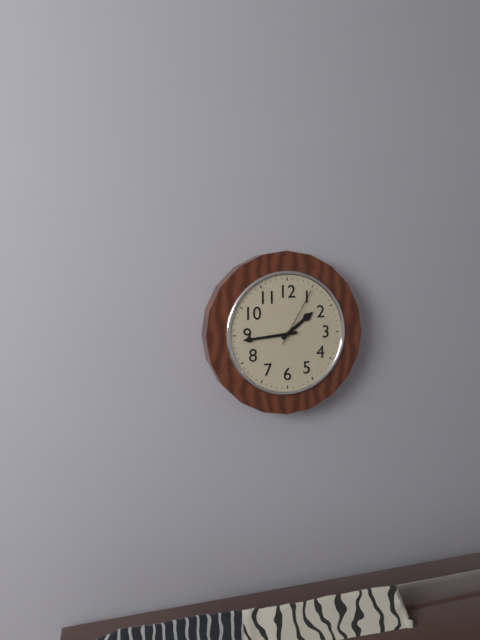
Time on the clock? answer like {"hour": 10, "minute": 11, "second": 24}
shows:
{"hour": 1, "minute": 44, "second": 5}
